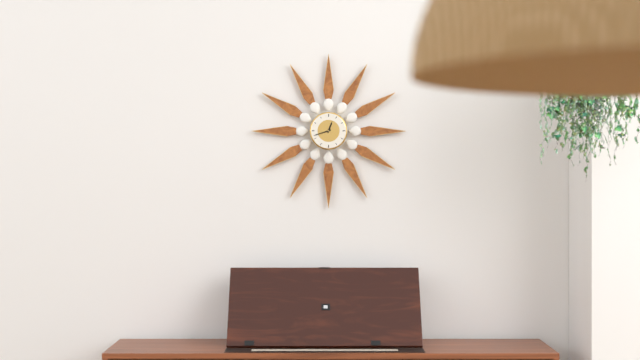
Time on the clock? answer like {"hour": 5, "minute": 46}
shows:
{"hour": 12, "minute": 42}
